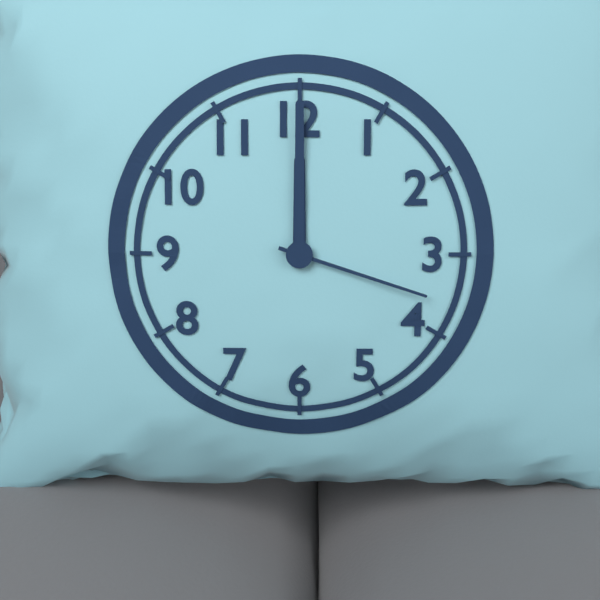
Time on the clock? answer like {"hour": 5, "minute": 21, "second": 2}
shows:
{"hour": 12, "minute": 0, "second": 18}
